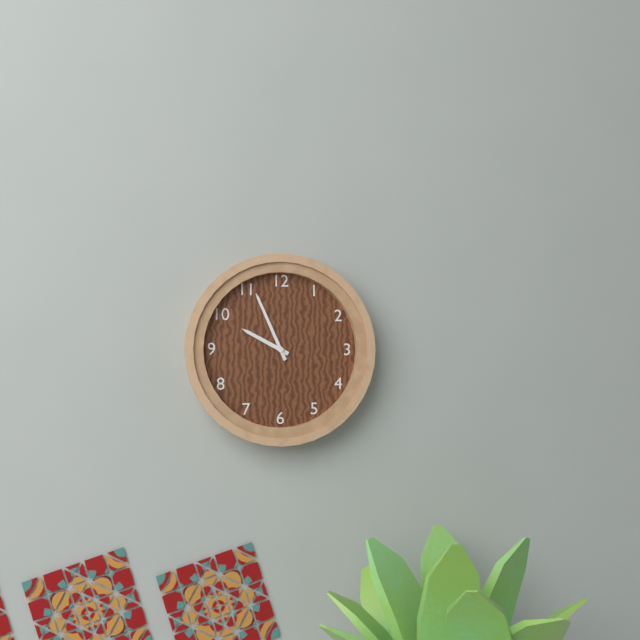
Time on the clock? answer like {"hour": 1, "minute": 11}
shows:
{"hour": 9, "minute": 56}
